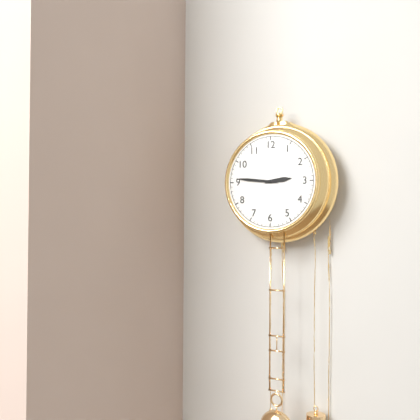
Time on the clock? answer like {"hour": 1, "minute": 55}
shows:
{"hour": 2, "minute": 46}
